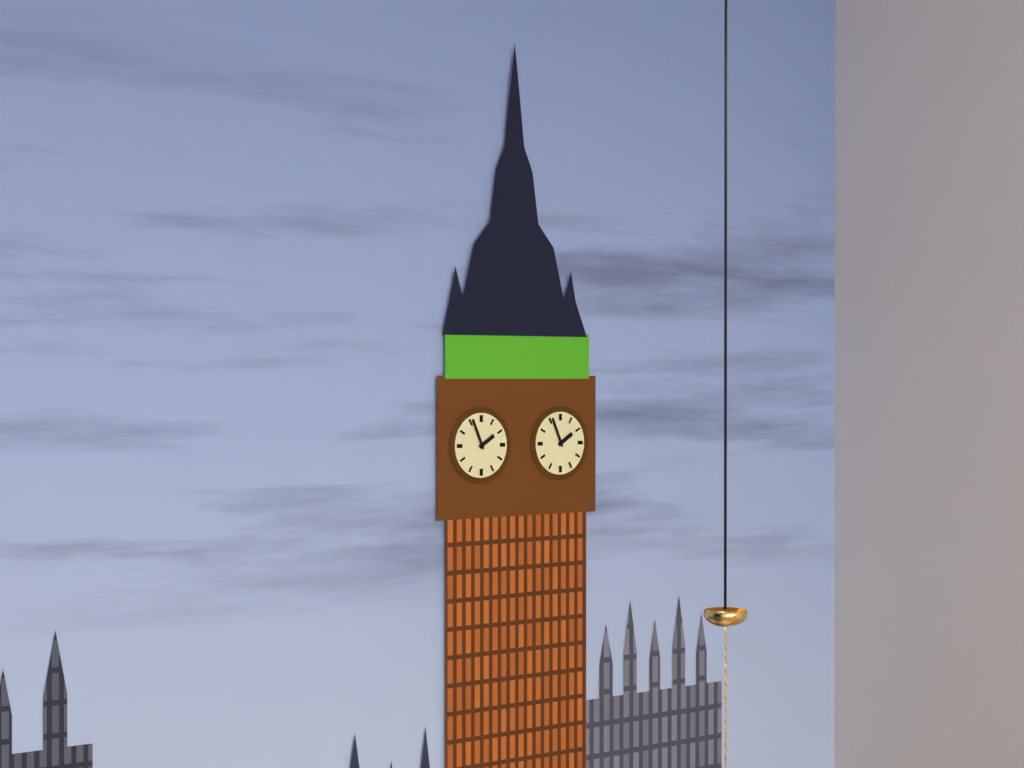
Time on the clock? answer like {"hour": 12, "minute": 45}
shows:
{"hour": 1, "minute": 56}
